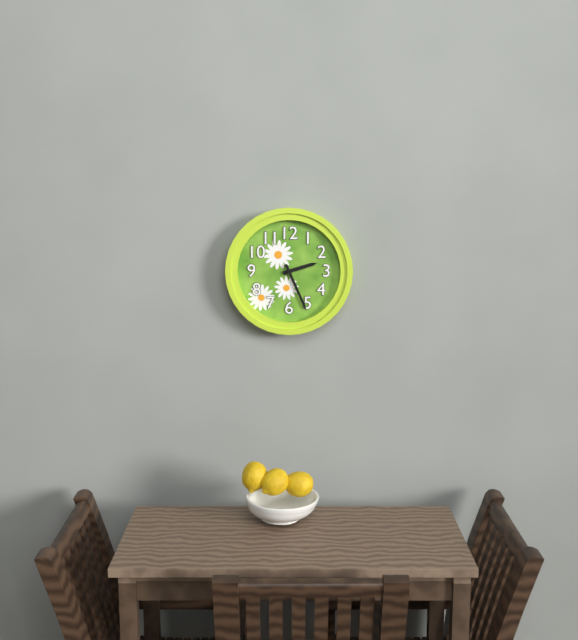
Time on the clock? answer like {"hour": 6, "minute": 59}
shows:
{"hour": 2, "minute": 26}
